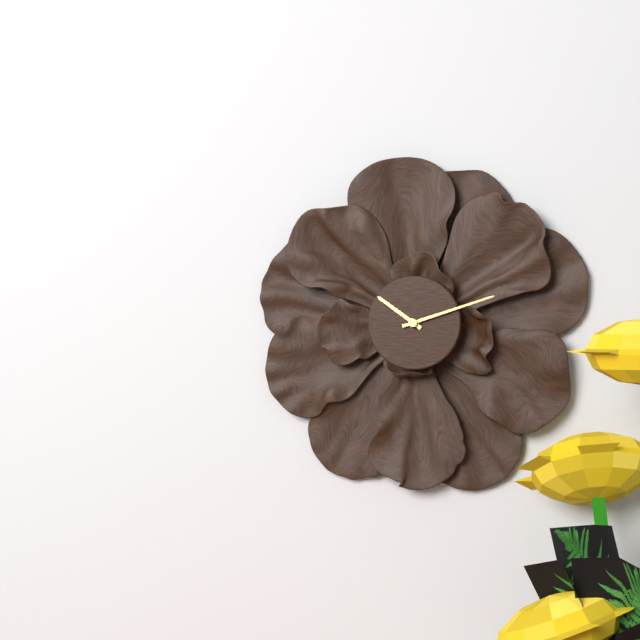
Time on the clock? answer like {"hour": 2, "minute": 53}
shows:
{"hour": 10, "minute": 12}
